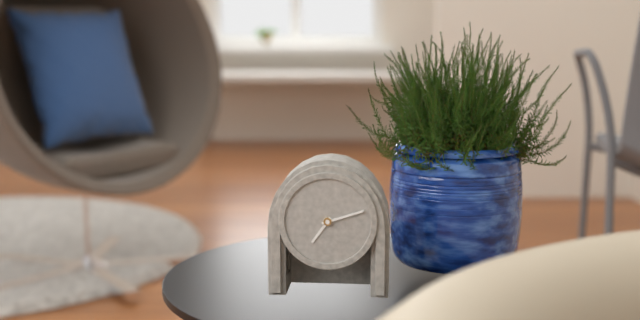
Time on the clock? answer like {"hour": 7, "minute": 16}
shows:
{"hour": 7, "minute": 12}
